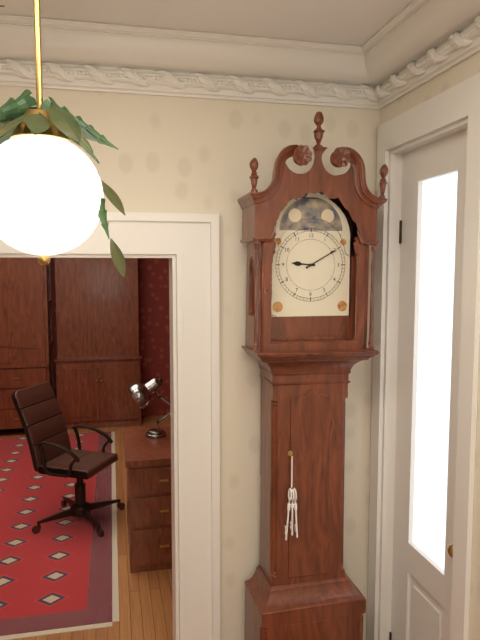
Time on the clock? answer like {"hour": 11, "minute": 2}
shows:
{"hour": 9, "minute": 10}
